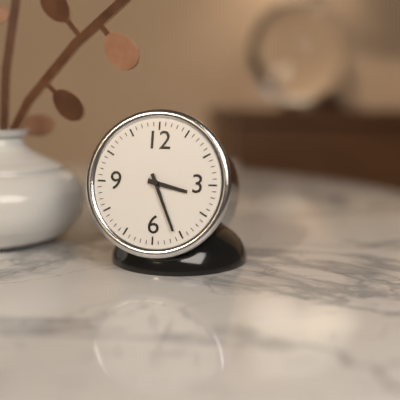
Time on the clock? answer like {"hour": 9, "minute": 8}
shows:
{"hour": 3, "minute": 26}
